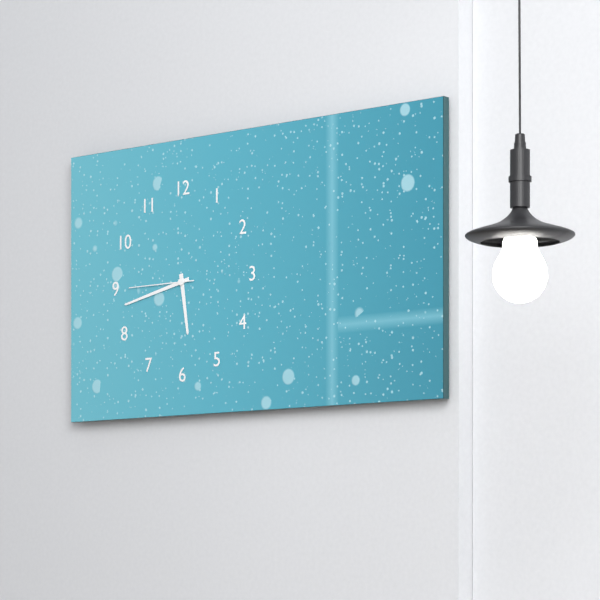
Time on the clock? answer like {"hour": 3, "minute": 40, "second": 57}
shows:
{"hour": 5, "minute": 43, "second": 45}
